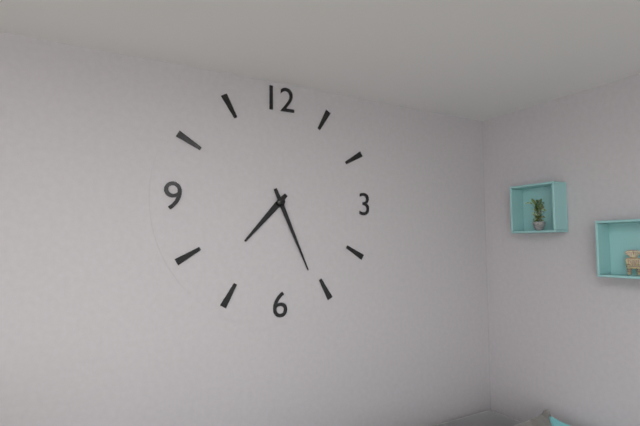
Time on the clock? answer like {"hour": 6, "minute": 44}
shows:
{"hour": 7, "minute": 26}
